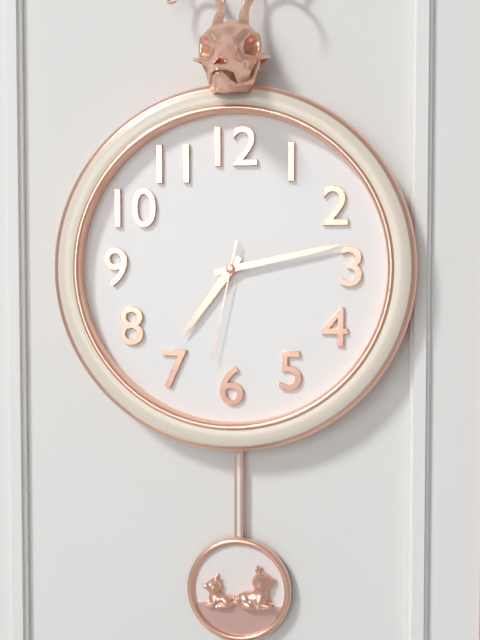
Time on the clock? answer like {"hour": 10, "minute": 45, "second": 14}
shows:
{"hour": 7, "minute": 13, "second": 32}
